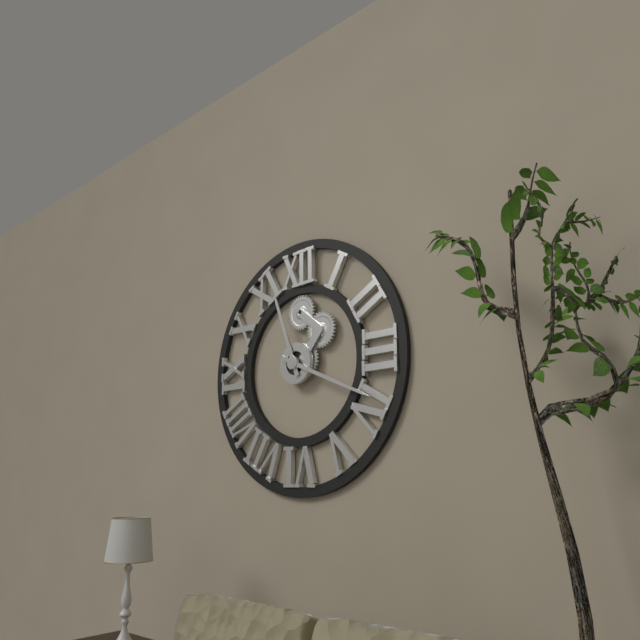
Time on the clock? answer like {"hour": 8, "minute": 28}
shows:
{"hour": 11, "minute": 19}
